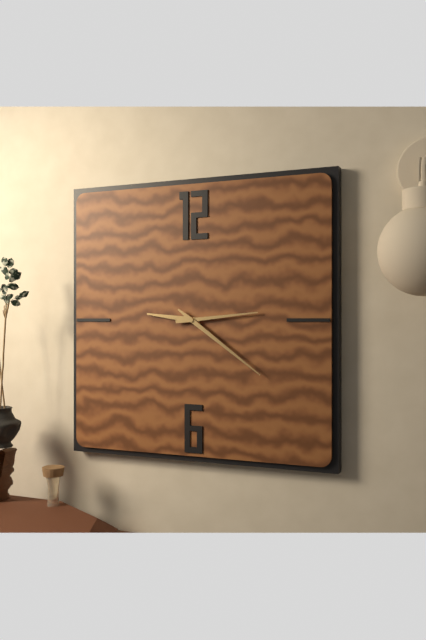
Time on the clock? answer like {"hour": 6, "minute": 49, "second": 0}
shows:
{"hour": 9, "minute": 14, "second": 21}
